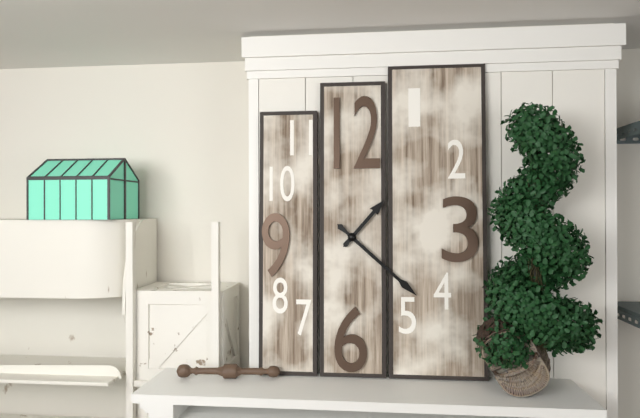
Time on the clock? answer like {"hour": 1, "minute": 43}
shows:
{"hour": 1, "minute": 22}
